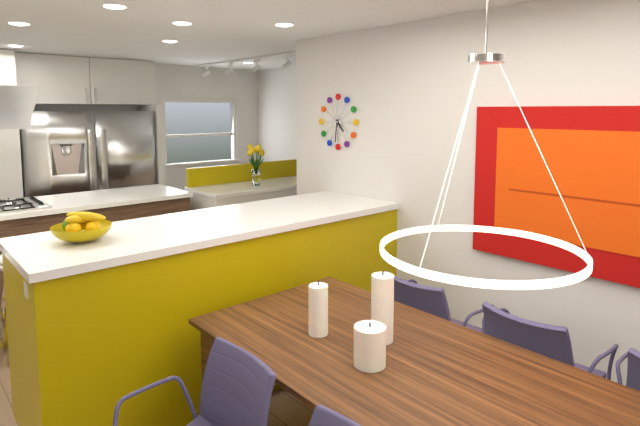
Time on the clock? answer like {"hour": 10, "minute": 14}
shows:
{"hour": 4, "minute": 31}
